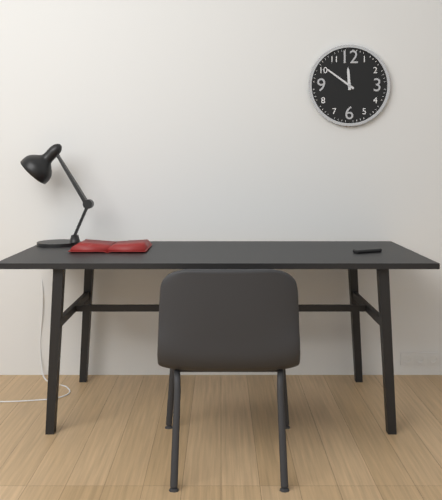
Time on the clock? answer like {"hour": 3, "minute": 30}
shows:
{"hour": 11, "minute": 51}
